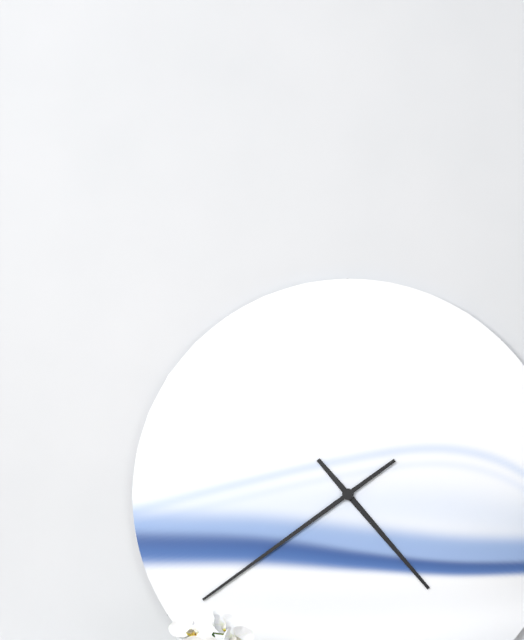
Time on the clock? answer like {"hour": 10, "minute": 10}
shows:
{"hour": 4, "minute": 39}
